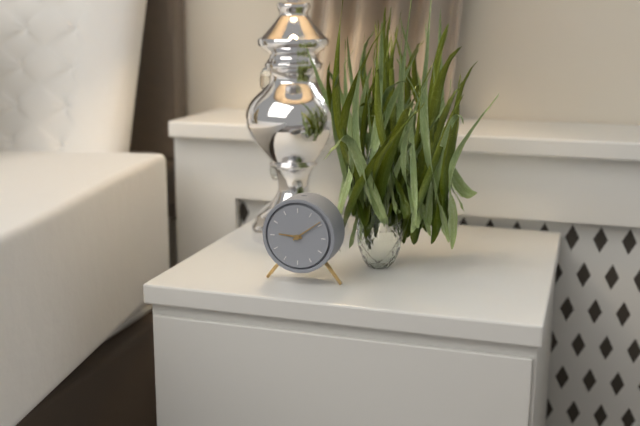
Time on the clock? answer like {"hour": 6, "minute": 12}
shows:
{"hour": 9, "minute": 9}
